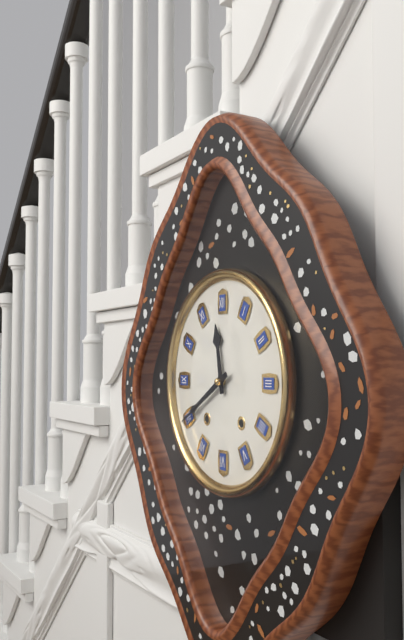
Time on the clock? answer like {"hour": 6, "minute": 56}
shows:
{"hour": 11, "minute": 40}
